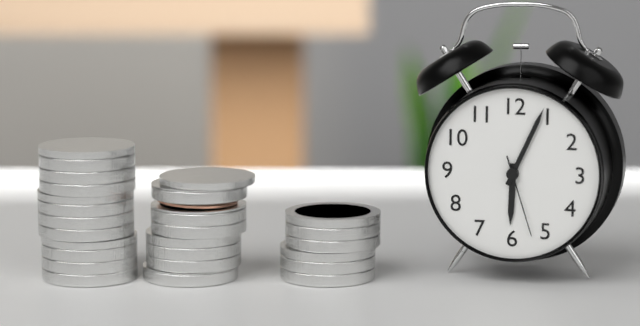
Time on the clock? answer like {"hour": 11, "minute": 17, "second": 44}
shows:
{"hour": 6, "minute": 4, "second": 27}
